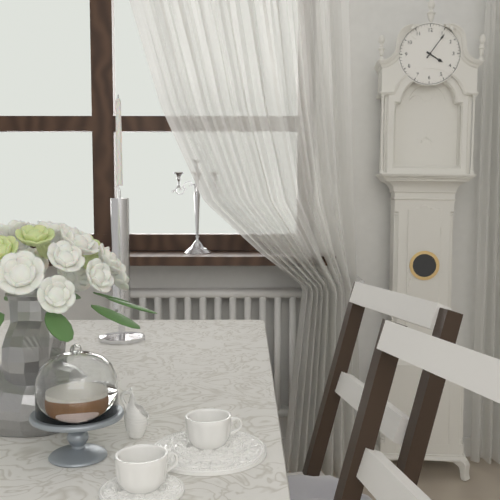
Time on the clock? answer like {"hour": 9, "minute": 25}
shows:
{"hour": 4, "minute": 6}
